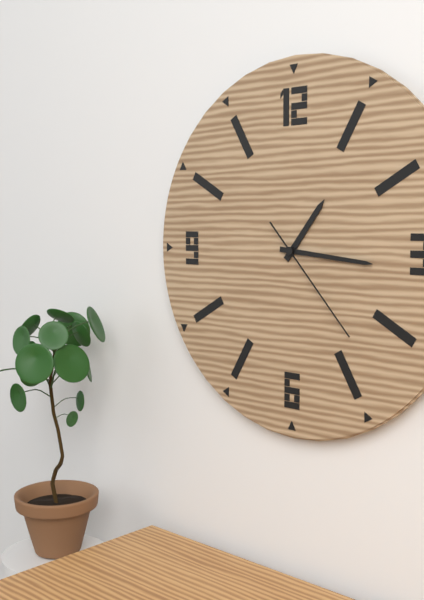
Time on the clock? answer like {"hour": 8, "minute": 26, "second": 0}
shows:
{"hour": 1, "minute": 16, "second": 23}
